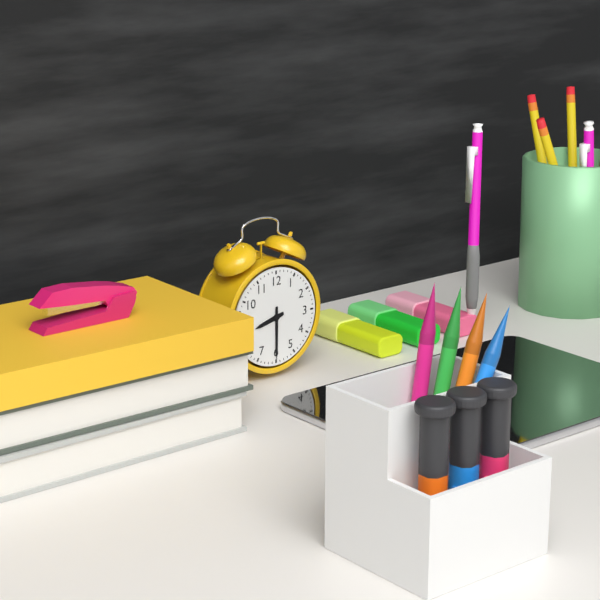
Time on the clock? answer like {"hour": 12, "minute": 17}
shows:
{"hour": 8, "minute": 30}
